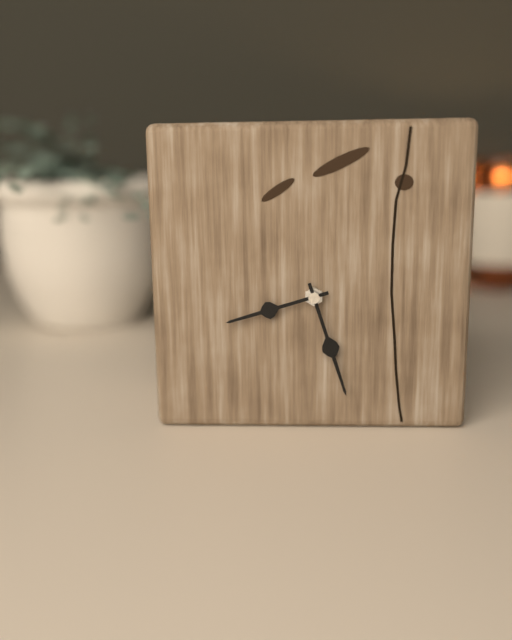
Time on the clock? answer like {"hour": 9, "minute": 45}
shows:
{"hour": 8, "minute": 27}
